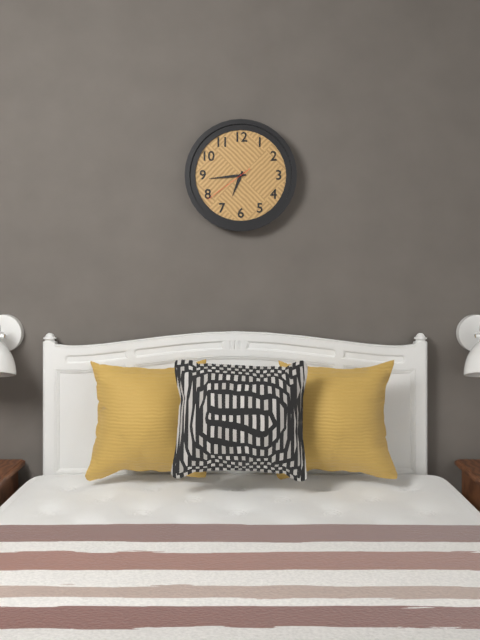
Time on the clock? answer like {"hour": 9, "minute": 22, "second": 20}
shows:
{"hour": 6, "minute": 44, "second": 39}
